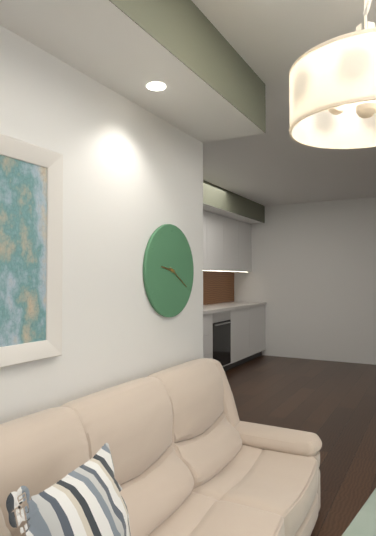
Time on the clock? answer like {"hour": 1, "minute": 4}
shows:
{"hour": 9, "minute": 20}
